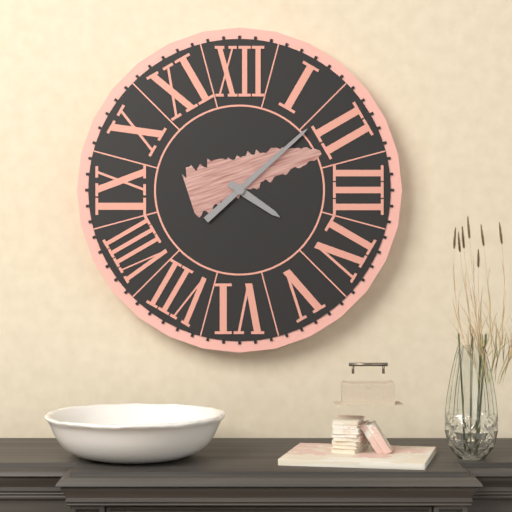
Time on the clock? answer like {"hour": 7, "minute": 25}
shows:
{"hour": 4, "minute": 8}
